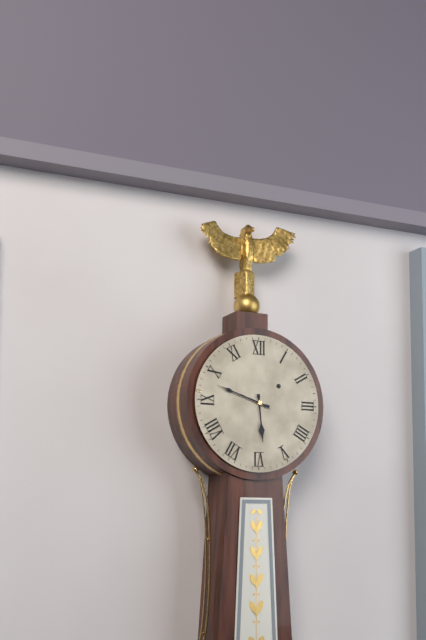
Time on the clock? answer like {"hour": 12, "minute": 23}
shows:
{"hour": 5, "minute": 48}
